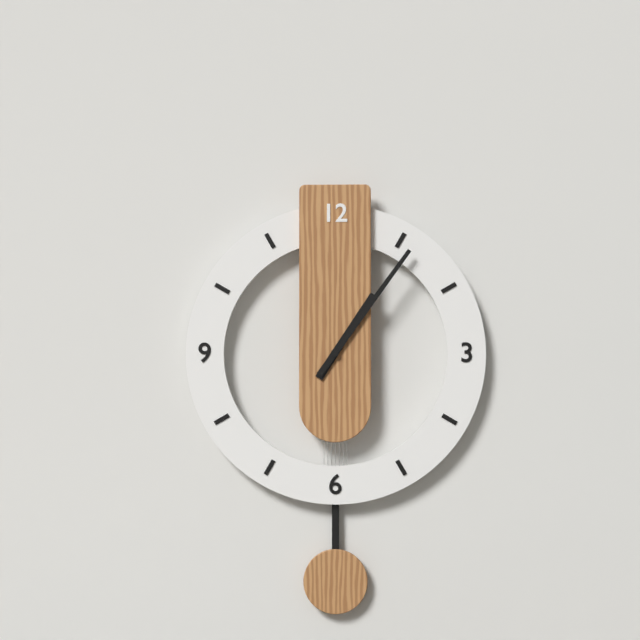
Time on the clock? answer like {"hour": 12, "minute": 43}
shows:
{"hour": 1, "minute": 6}
